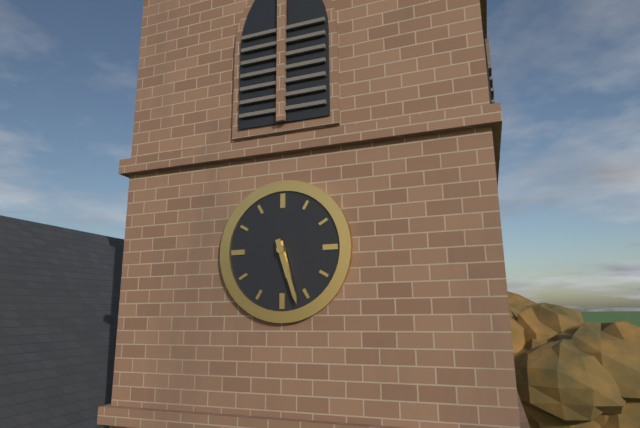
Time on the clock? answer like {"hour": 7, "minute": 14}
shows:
{"hour": 5, "minute": 27}
